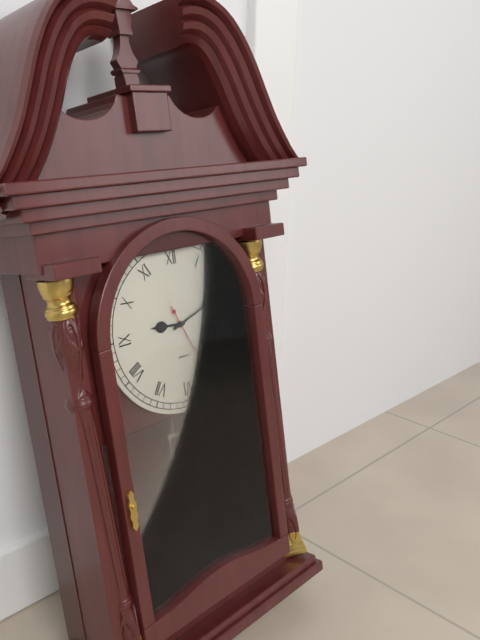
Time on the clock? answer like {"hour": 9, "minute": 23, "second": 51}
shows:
{"hour": 9, "minute": 12, "second": 26}
